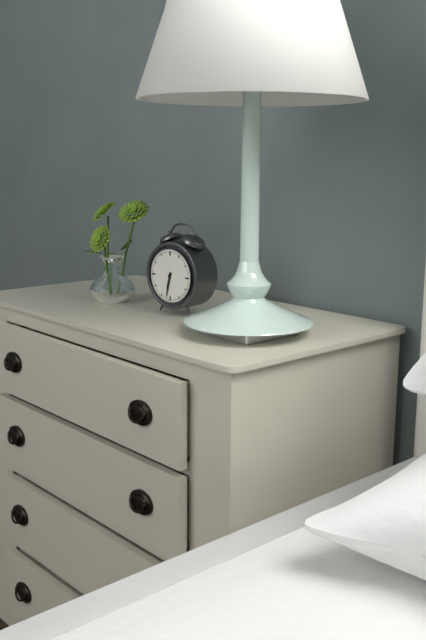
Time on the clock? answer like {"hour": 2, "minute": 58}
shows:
{"hour": 6, "minute": 32}
